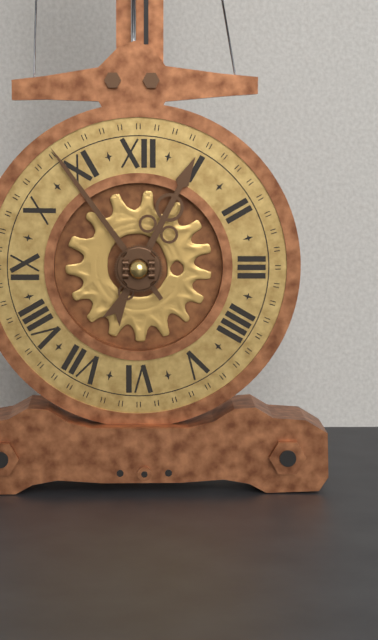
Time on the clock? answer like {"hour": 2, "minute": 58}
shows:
{"hour": 12, "minute": 54}
